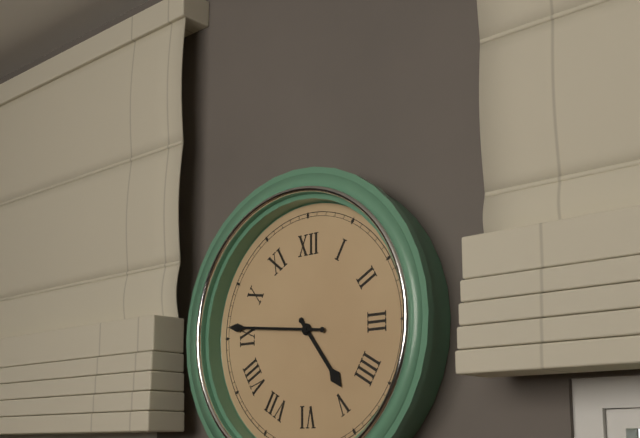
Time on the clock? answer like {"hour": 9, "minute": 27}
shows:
{"hour": 4, "minute": 46}
